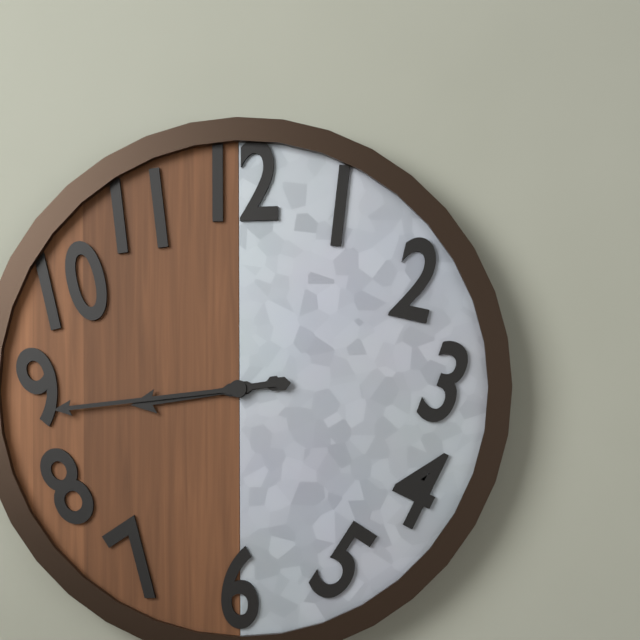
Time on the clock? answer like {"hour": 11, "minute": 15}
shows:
{"hour": 8, "minute": 44}
